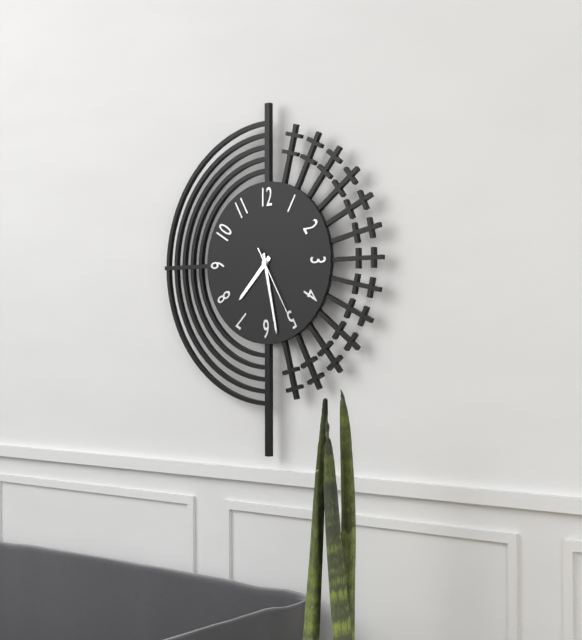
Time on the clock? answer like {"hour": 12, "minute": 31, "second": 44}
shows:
{"hour": 7, "minute": 28, "second": 25}
